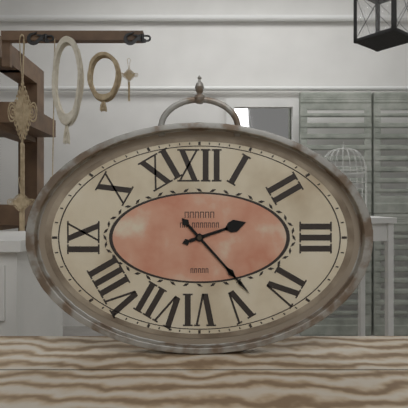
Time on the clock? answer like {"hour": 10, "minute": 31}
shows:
{"hour": 2, "minute": 23}
